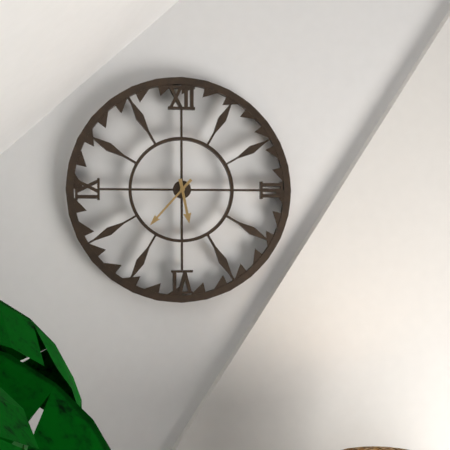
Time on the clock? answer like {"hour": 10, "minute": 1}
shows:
{"hour": 5, "minute": 37}
